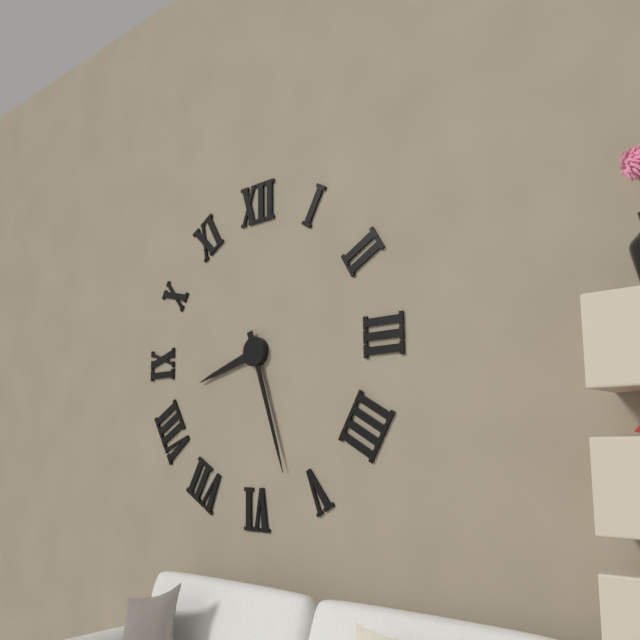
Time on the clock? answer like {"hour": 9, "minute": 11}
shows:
{"hour": 8, "minute": 27}
